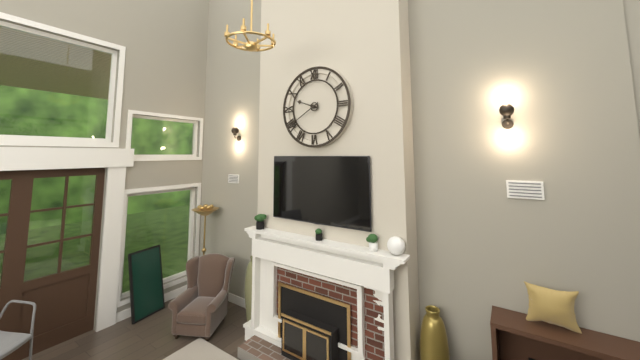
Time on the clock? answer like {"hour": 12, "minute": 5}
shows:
{"hour": 9, "minute": 40}
